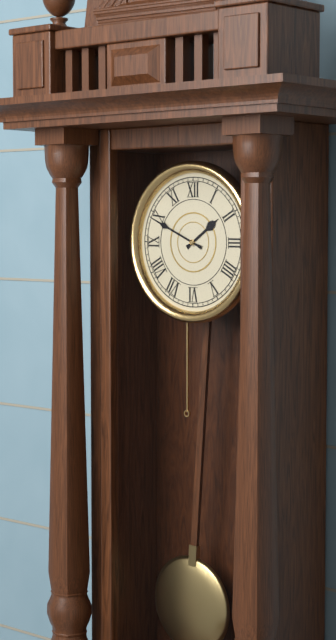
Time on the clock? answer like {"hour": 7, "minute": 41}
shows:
{"hour": 1, "minute": 49}
